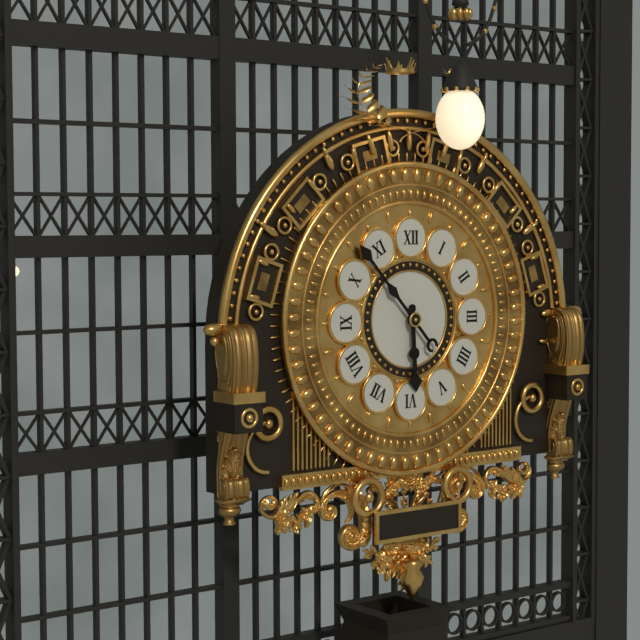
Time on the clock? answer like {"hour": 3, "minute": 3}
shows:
{"hour": 5, "minute": 53}
